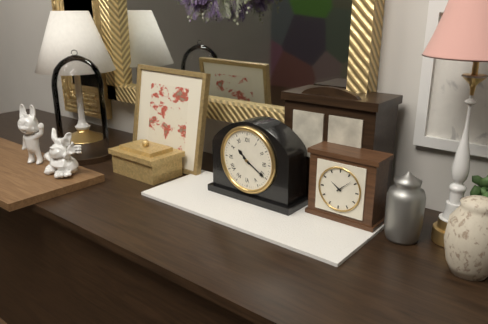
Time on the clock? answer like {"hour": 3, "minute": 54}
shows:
{"hour": 10, "minute": 20}
